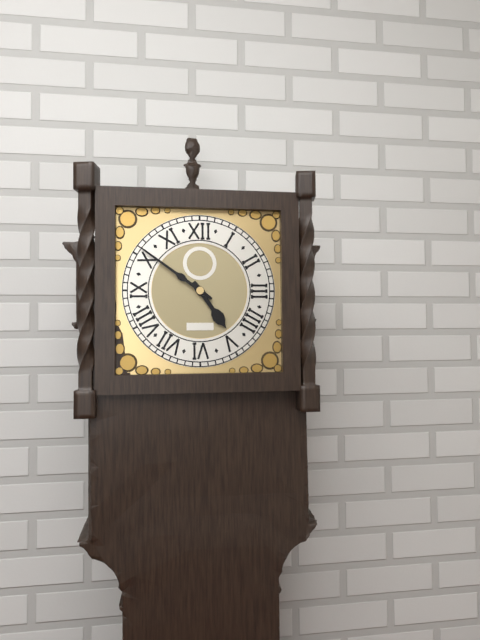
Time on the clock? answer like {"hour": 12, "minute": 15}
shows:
{"hour": 4, "minute": 51}
